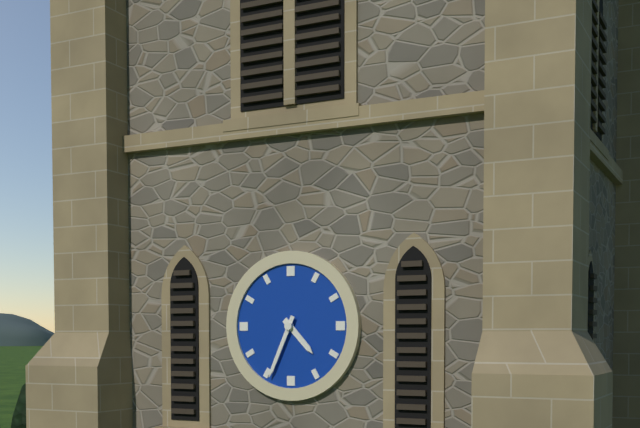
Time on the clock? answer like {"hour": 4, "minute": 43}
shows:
{"hour": 4, "minute": 34}
